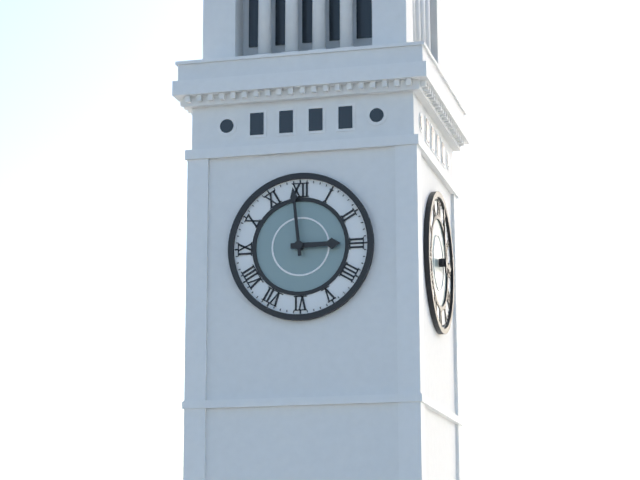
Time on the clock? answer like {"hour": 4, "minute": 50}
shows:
{"hour": 2, "minute": 59}
